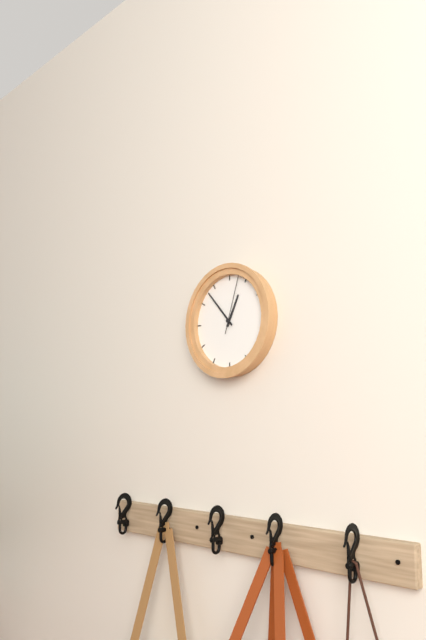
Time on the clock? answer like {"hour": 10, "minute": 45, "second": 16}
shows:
{"hour": 12, "minute": 53, "second": 3}
